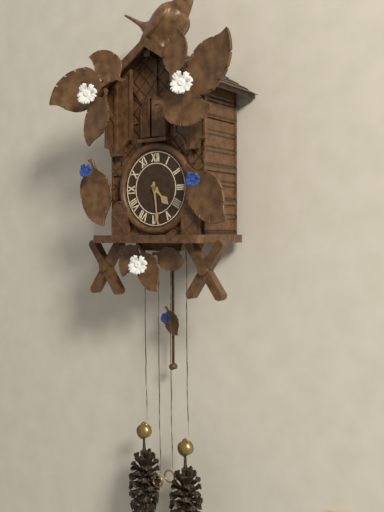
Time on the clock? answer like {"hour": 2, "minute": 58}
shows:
{"hour": 4, "minute": 29}
